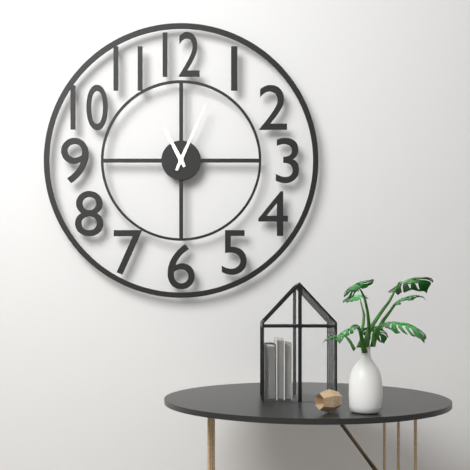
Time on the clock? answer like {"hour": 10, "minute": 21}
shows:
{"hour": 11, "minute": 4}
